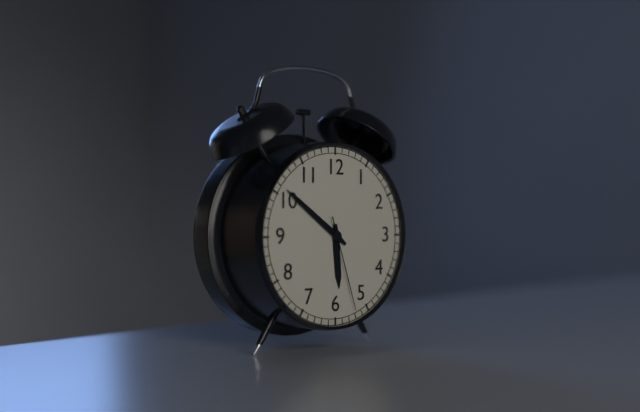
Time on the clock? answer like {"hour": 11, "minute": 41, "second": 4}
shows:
{"hour": 5, "minute": 51, "second": 27}
